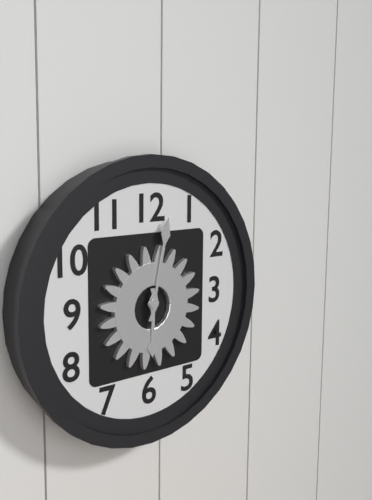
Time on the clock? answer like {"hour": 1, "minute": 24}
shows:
{"hour": 6, "minute": 2}
